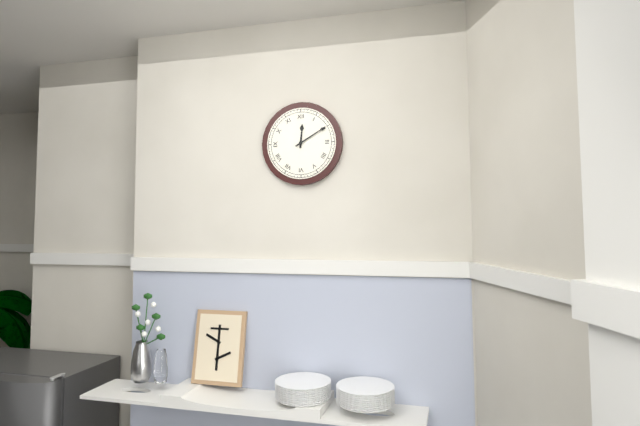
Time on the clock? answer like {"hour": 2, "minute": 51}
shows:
{"hour": 12, "minute": 10}
